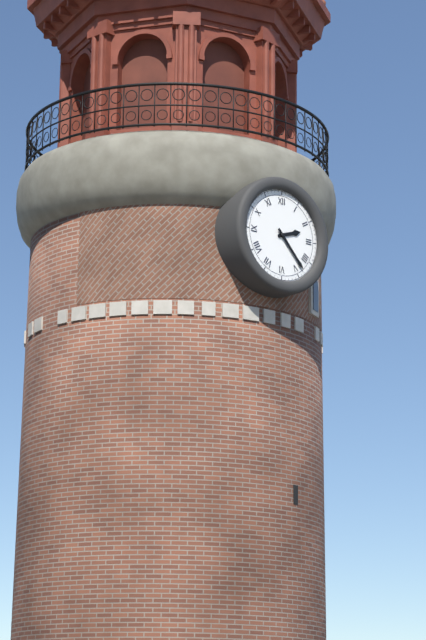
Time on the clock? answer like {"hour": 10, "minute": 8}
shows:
{"hour": 2, "minute": 23}
